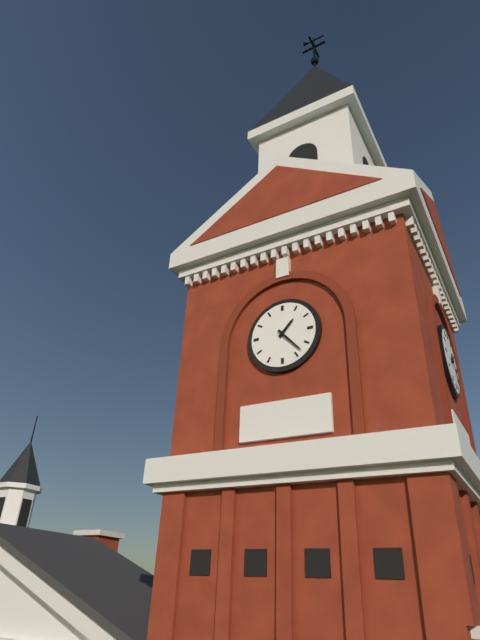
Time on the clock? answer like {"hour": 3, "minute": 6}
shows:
{"hour": 1, "minute": 23}
